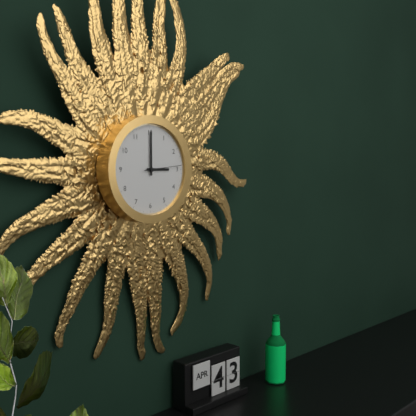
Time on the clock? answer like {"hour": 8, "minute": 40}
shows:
{"hour": 3, "minute": 0}
